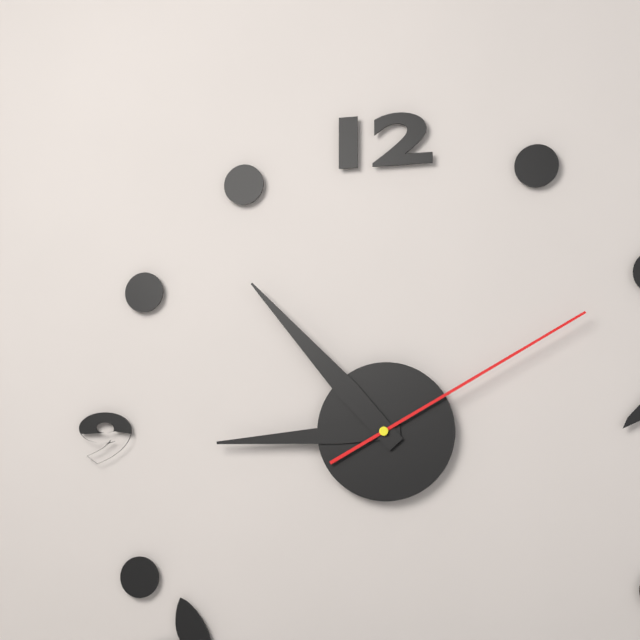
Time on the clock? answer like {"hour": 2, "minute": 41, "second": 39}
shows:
{"hour": 8, "minute": 53, "second": 10}
